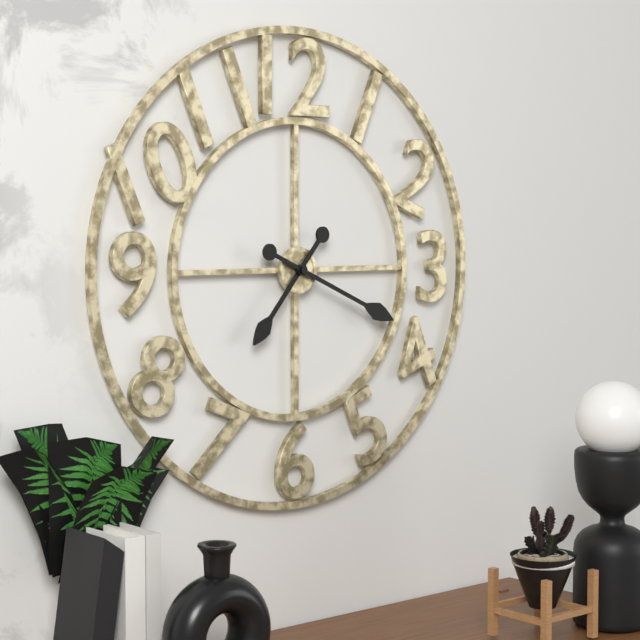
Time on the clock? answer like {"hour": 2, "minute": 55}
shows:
{"hour": 7, "minute": 19}
